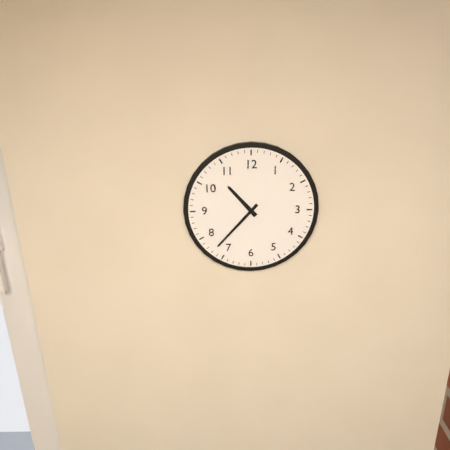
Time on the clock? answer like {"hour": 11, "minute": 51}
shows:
{"hour": 10, "minute": 37}
